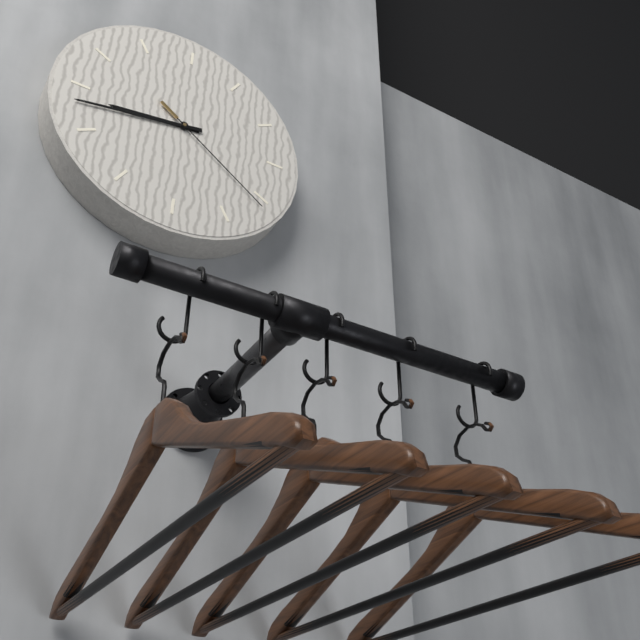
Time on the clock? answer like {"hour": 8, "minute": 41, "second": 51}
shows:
{"hour": 8, "minute": 43, "second": 21}
